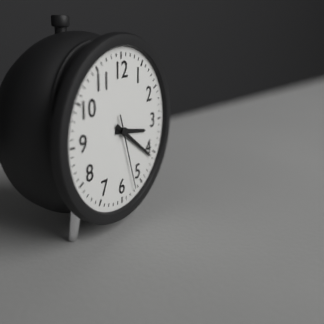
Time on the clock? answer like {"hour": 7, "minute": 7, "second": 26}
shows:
{"hour": 3, "minute": 21, "second": 27}
